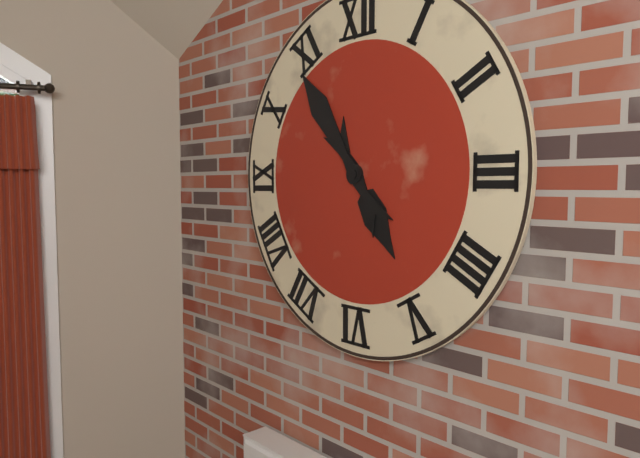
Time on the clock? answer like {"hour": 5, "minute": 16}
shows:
{"hour": 4, "minute": 54}
